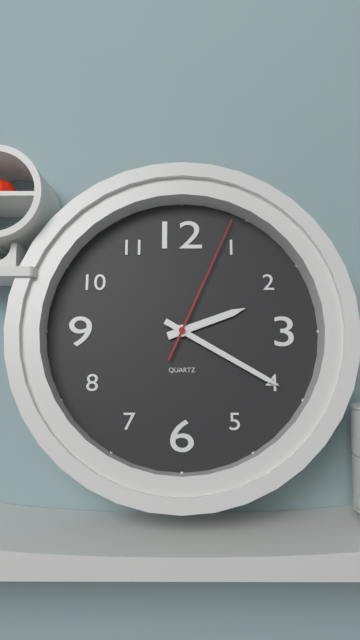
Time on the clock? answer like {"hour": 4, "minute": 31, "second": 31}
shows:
{"hour": 2, "minute": 20, "second": 4}
